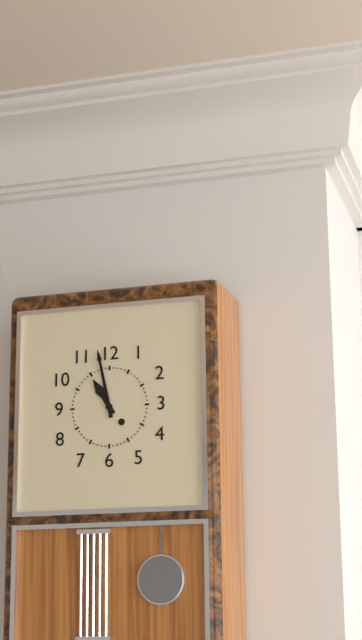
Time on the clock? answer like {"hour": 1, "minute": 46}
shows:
{"hour": 10, "minute": 58}
